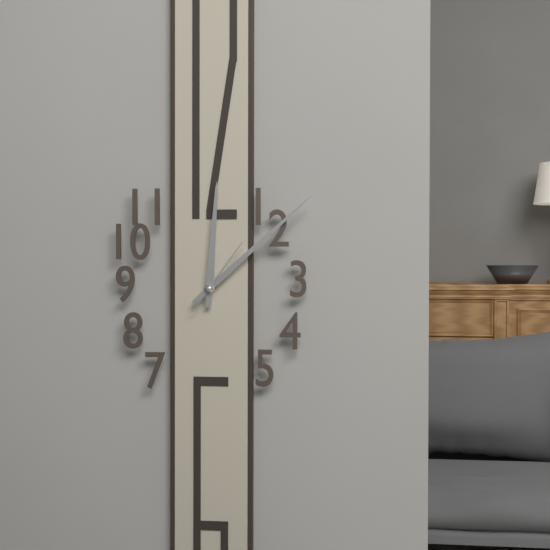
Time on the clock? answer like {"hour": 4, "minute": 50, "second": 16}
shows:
{"hour": 12, "minute": 8, "second": 6}
